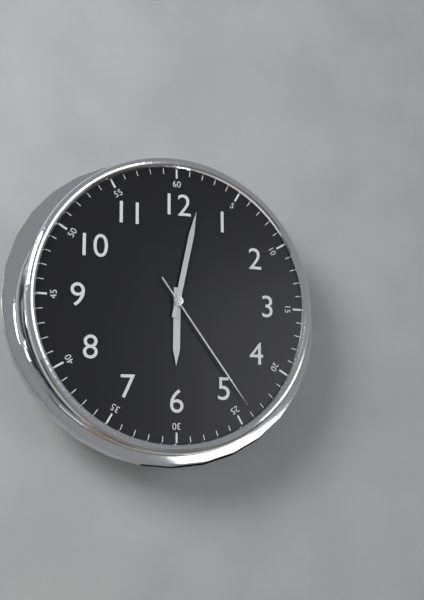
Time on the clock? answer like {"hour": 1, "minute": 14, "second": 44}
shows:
{"hour": 6, "minute": 2, "second": 24}
